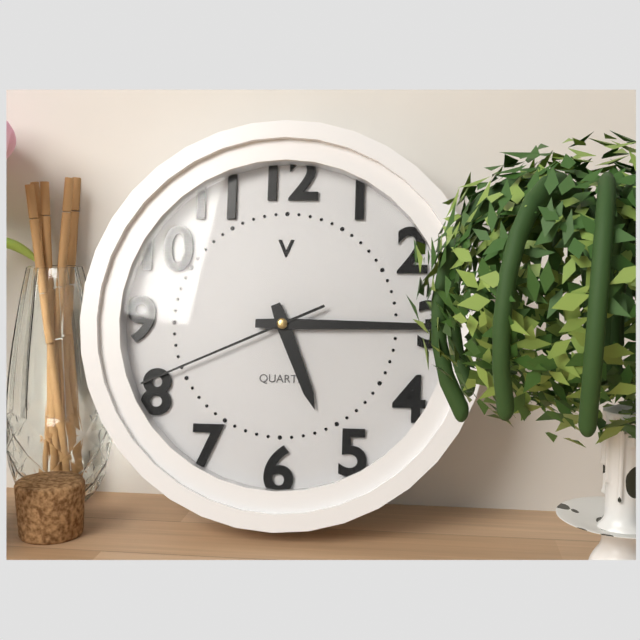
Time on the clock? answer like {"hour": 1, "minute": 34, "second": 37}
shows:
{"hour": 5, "minute": 15, "second": 41}
